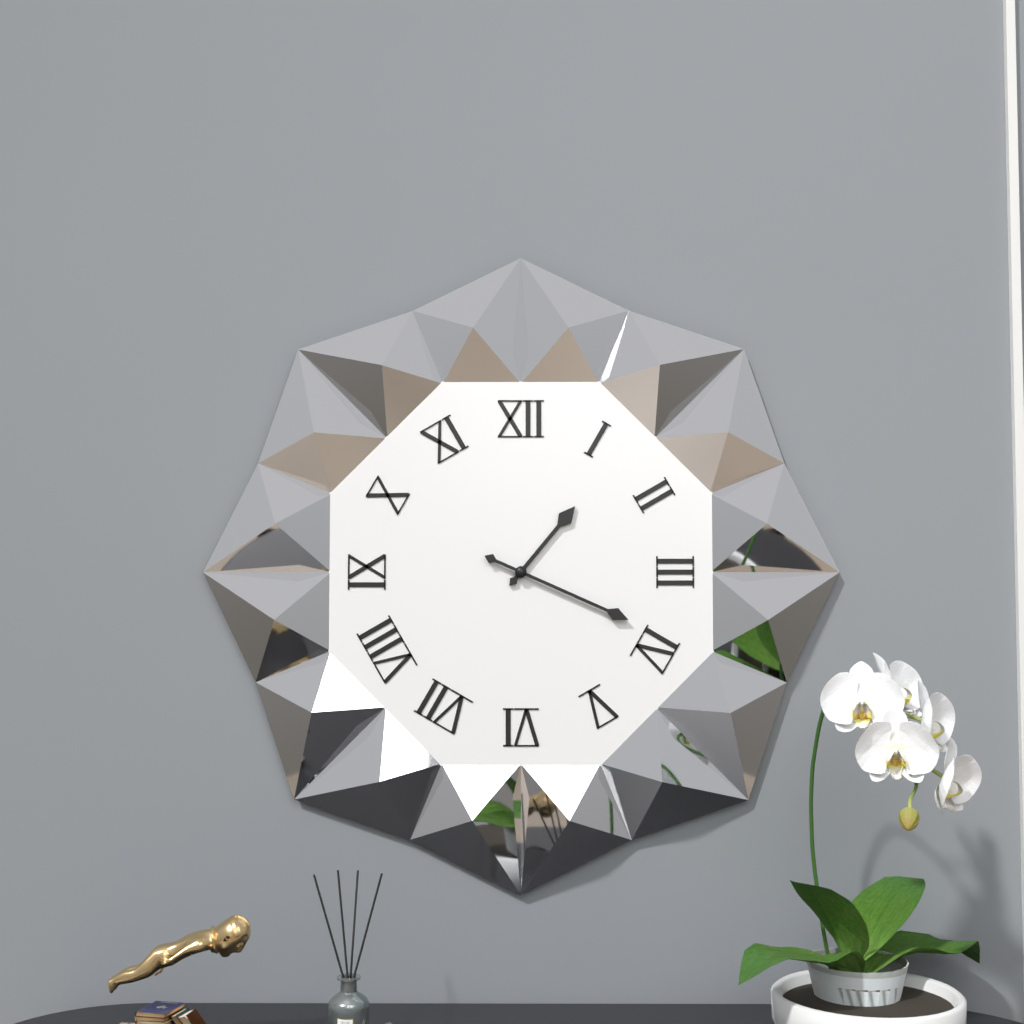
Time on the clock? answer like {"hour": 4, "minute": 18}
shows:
{"hour": 1, "minute": 19}
